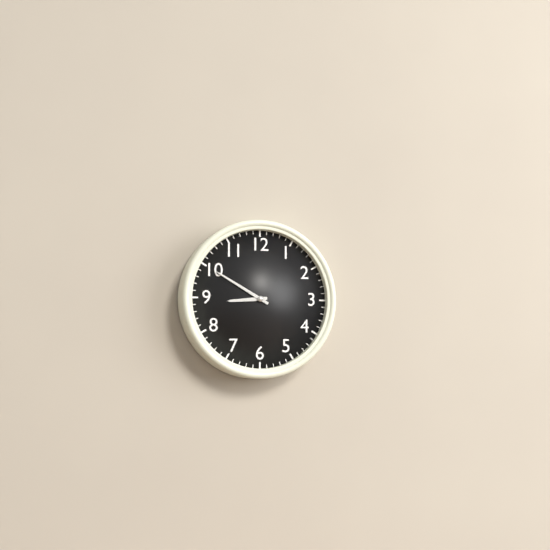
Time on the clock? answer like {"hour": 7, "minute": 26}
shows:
{"hour": 8, "minute": 50}
